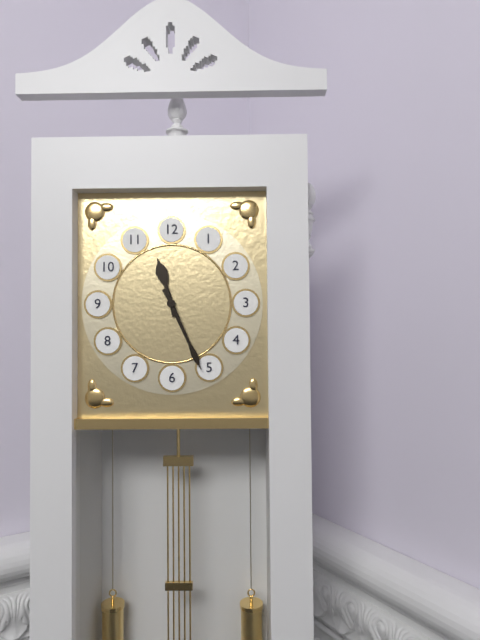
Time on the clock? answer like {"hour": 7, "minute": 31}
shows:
{"hour": 11, "minute": 26}
